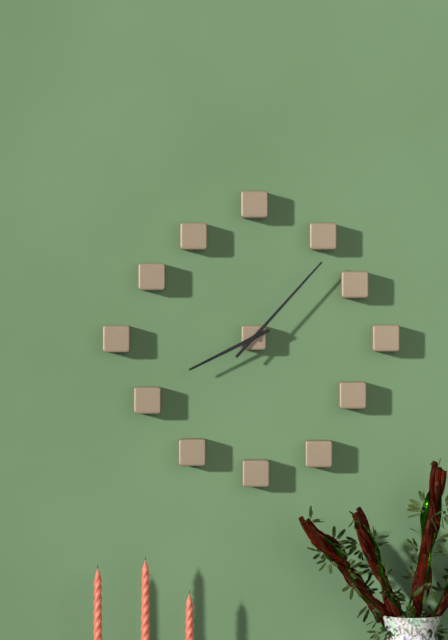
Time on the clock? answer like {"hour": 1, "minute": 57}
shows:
{"hour": 8, "minute": 7}
